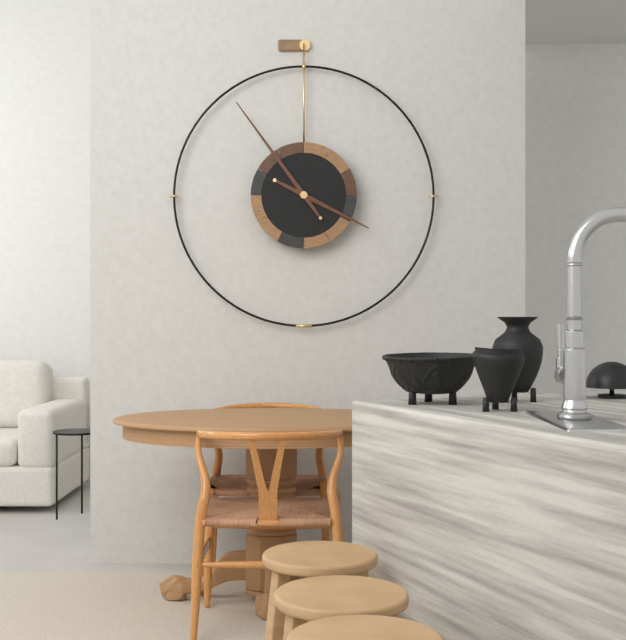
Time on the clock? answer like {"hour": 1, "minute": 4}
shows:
{"hour": 3, "minute": 54}
